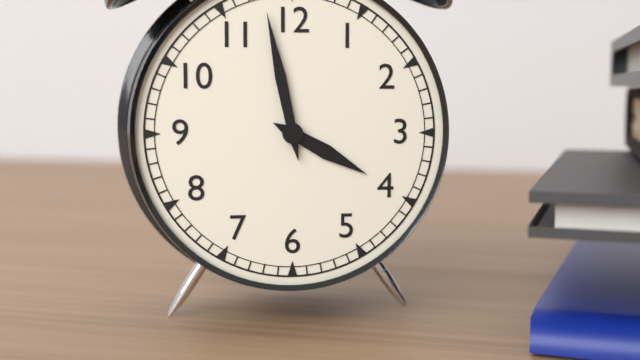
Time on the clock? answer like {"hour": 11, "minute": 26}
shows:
{"hour": 3, "minute": 58}
